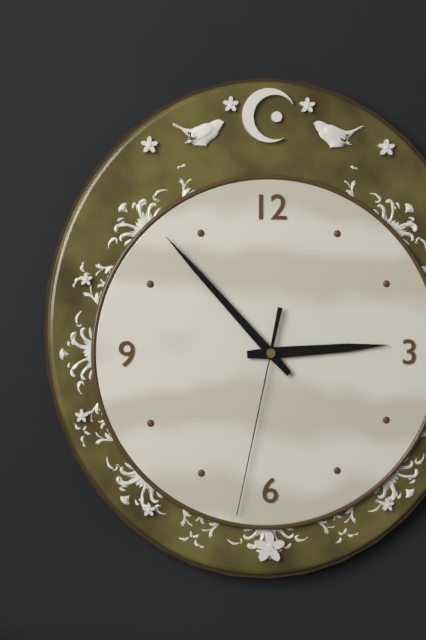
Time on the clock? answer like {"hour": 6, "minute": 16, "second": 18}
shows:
{"hour": 2, "minute": 53, "second": 32}
